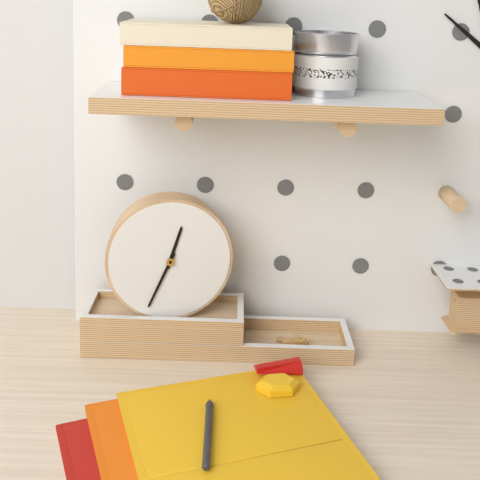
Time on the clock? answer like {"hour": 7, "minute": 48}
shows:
{"hour": 12, "minute": 34}
